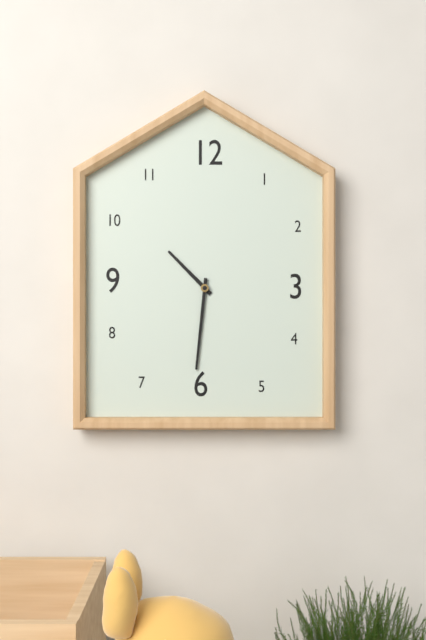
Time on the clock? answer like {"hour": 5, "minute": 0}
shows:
{"hour": 10, "minute": 31}
